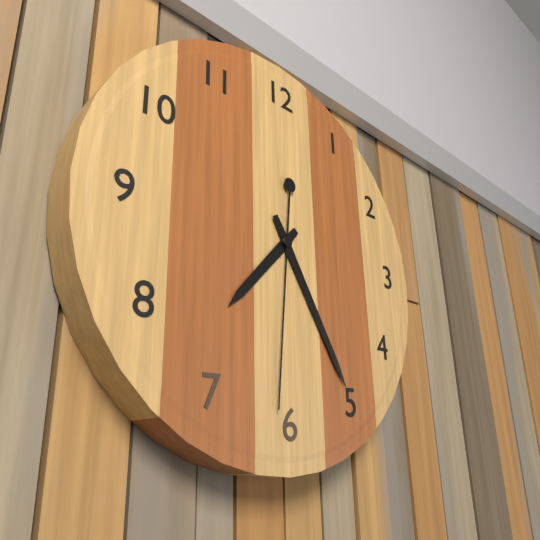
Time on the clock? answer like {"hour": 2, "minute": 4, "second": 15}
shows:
{"hour": 7, "minute": 25, "second": 31}
